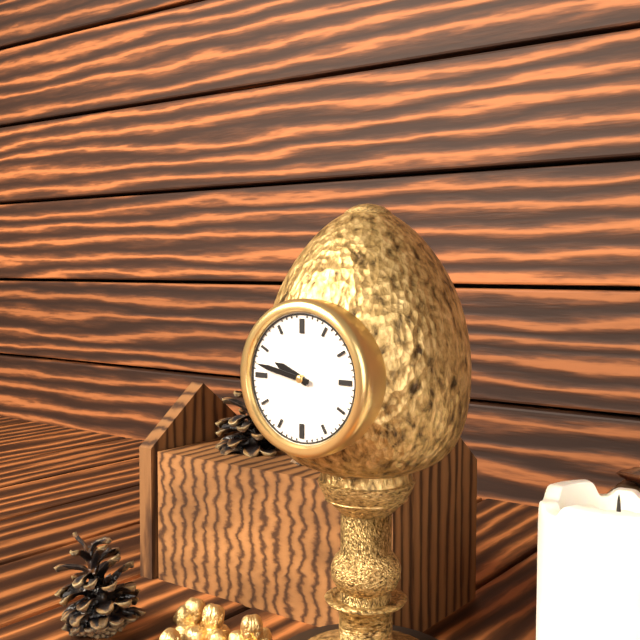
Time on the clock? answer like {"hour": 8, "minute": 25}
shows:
{"hour": 9, "minute": 47}
